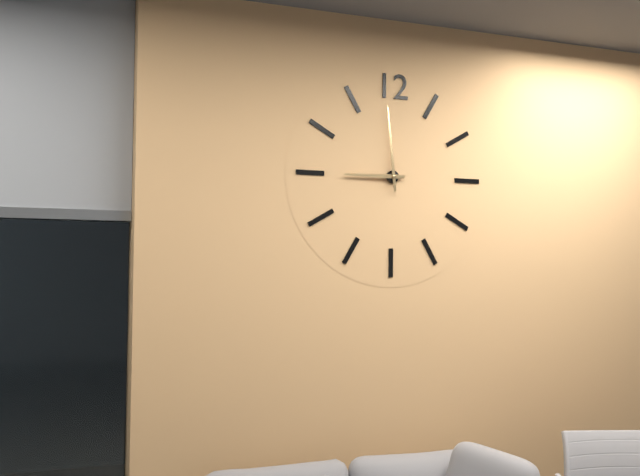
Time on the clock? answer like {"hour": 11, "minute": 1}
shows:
{"hour": 8, "minute": 59}
